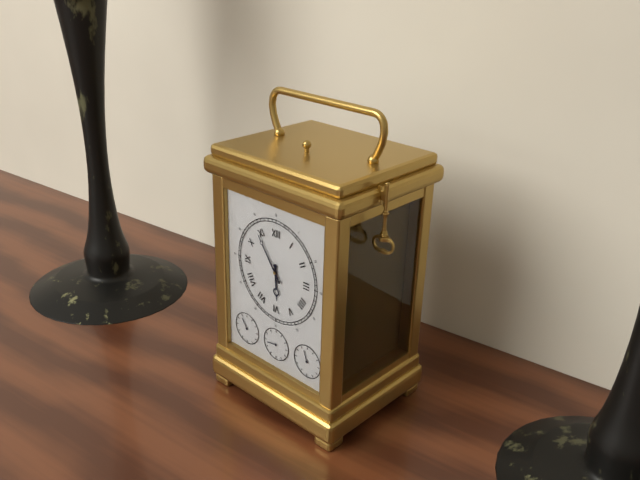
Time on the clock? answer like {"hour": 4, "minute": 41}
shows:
{"hour": 5, "minute": 54}
